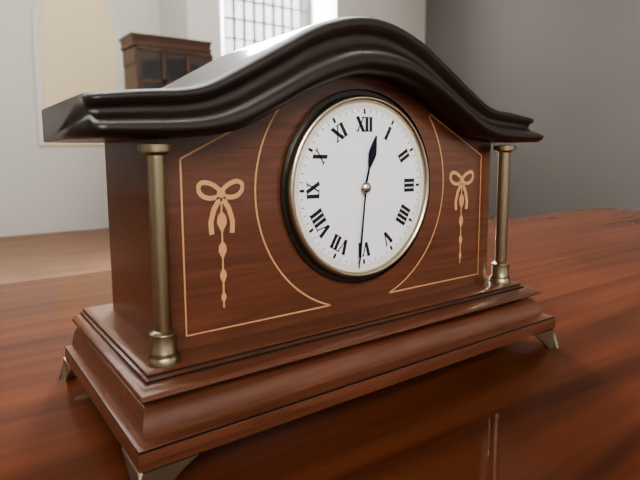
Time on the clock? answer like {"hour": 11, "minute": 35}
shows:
{"hour": 12, "minute": 31}
